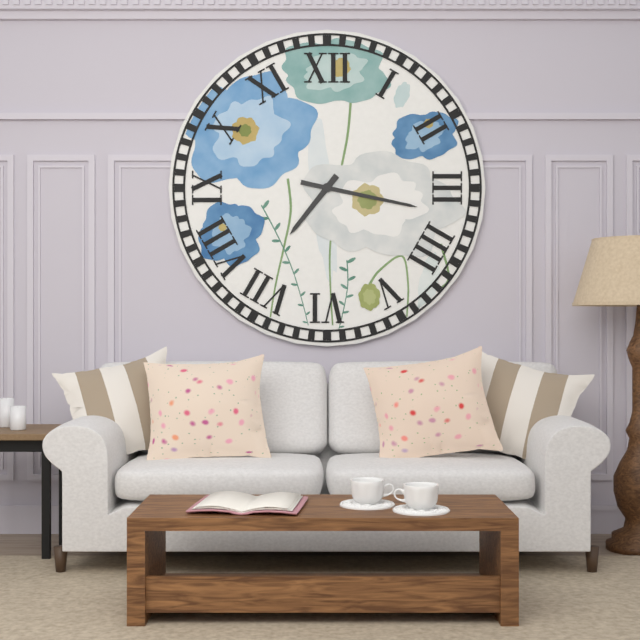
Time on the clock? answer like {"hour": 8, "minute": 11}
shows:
{"hour": 7, "minute": 17}
